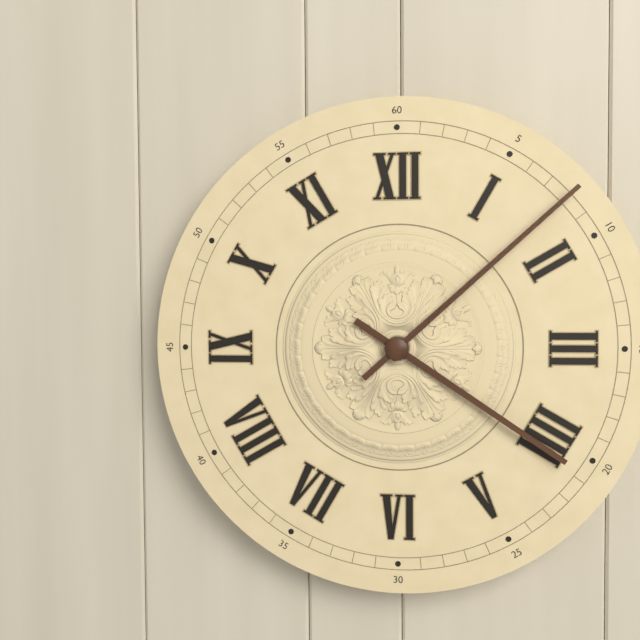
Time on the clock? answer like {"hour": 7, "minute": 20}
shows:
{"hour": 4, "minute": 8}
